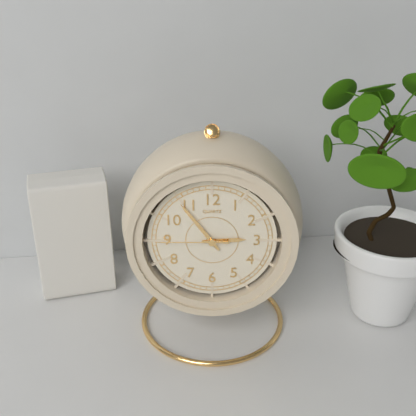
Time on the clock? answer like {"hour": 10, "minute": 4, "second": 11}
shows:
{"hour": 2, "minute": 54, "second": 45}
